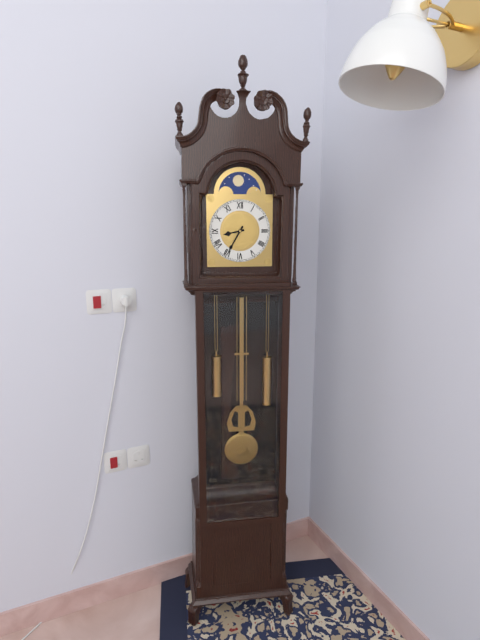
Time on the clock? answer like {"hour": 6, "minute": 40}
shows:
{"hour": 8, "minute": 35}
